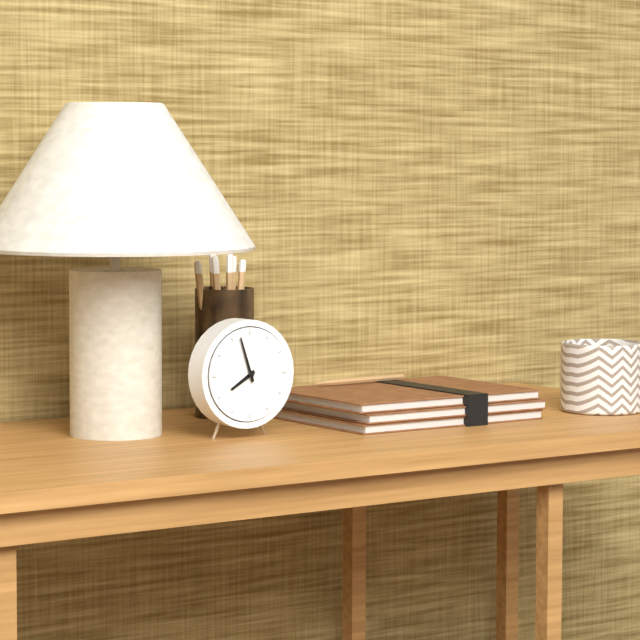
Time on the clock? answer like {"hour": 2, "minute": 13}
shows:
{"hour": 7, "minute": 57}
